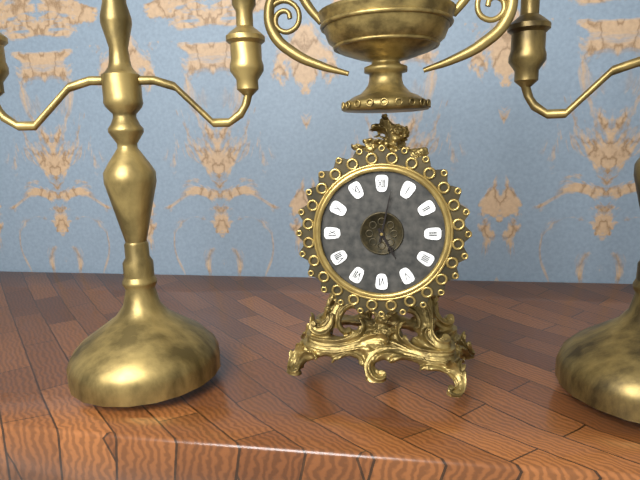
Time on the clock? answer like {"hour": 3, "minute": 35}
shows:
{"hour": 5, "minute": 2}
